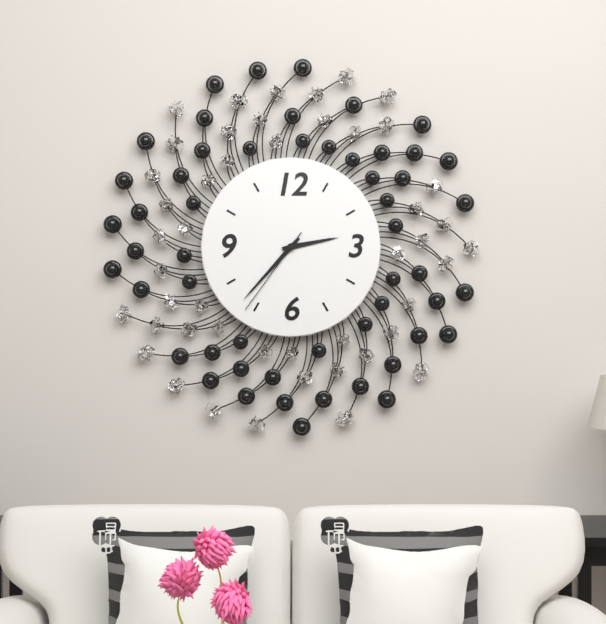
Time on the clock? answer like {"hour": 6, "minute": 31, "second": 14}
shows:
{"hour": 2, "minute": 37, "second": 36}
